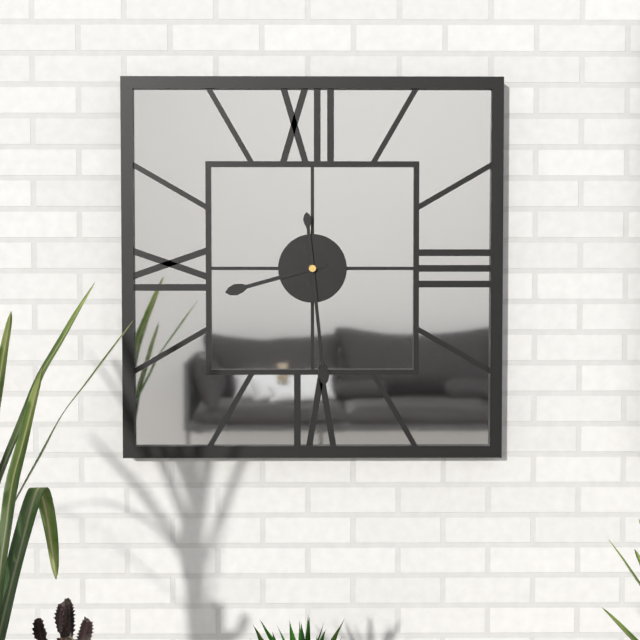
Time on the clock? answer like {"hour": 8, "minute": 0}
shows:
{"hour": 8, "minute": 29}
